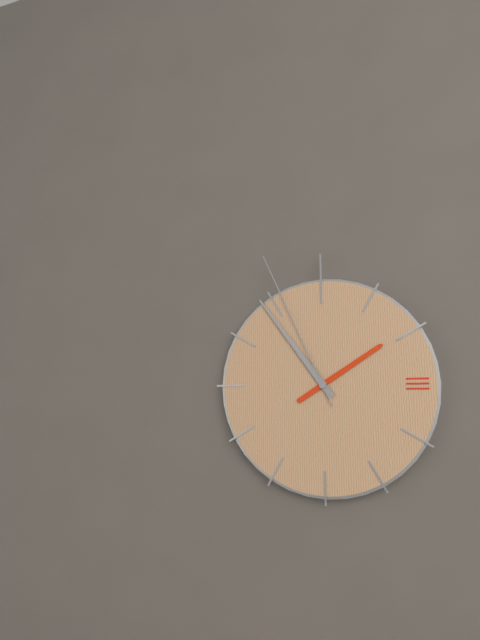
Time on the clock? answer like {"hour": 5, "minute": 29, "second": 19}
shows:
{"hour": 1, "minute": 54, "second": 56}
